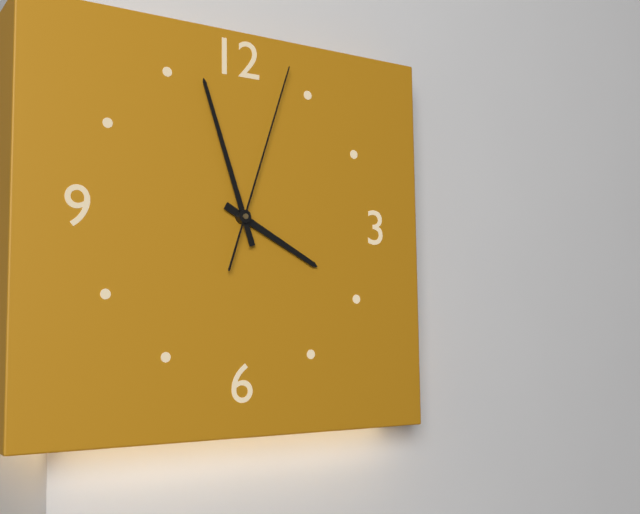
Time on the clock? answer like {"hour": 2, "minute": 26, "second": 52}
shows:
{"hour": 3, "minute": 57, "second": 3}
